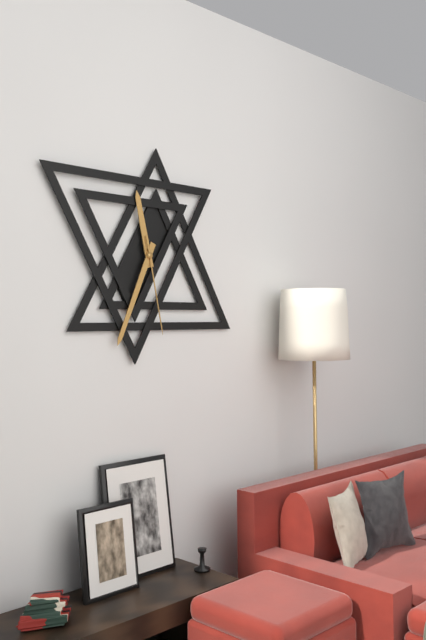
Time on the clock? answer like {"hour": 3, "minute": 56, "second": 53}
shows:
{"hour": 11, "minute": 34, "second": 28}
